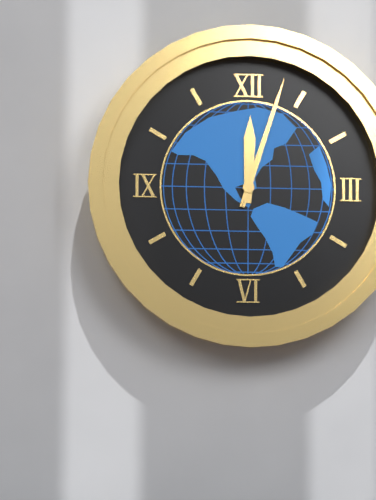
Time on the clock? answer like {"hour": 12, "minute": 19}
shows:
{"hour": 12, "minute": 3}
